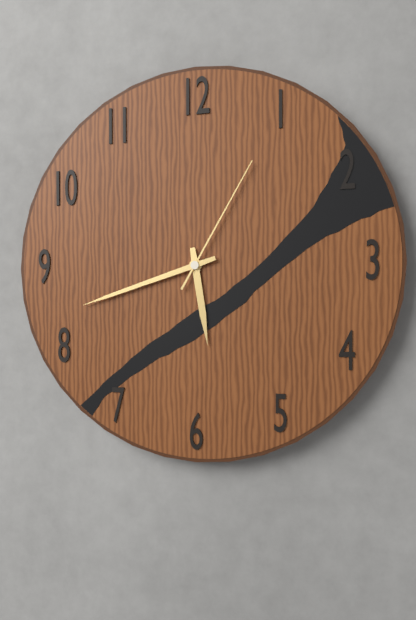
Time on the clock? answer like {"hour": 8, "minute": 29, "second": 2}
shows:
{"hour": 5, "minute": 42, "second": 5}
